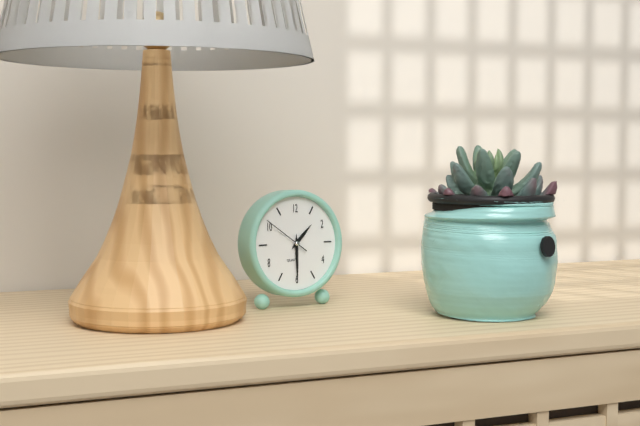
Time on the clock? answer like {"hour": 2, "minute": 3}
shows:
{"hour": 1, "minute": 30}
